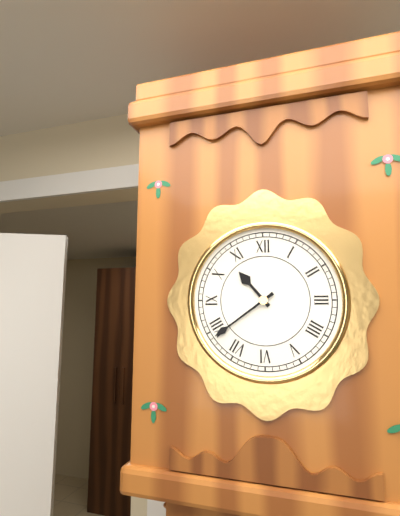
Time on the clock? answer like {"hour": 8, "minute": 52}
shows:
{"hour": 10, "minute": 39}
